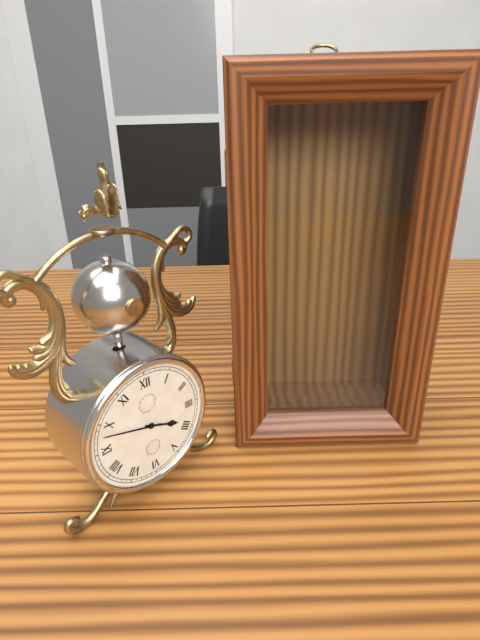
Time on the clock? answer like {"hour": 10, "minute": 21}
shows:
{"hour": 3, "minute": 48}
